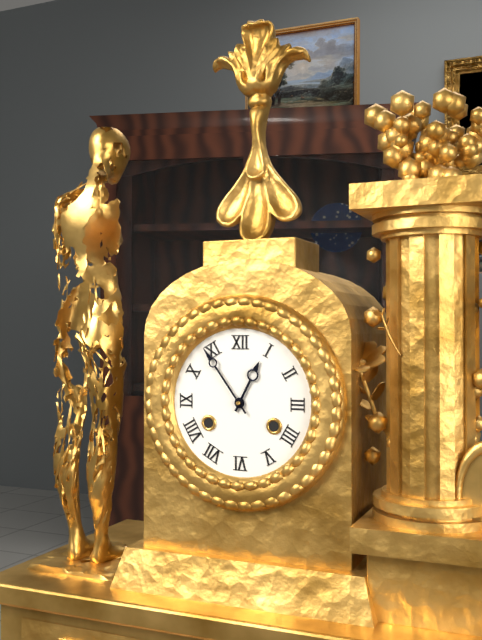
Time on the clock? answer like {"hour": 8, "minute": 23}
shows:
{"hour": 12, "minute": 54}
